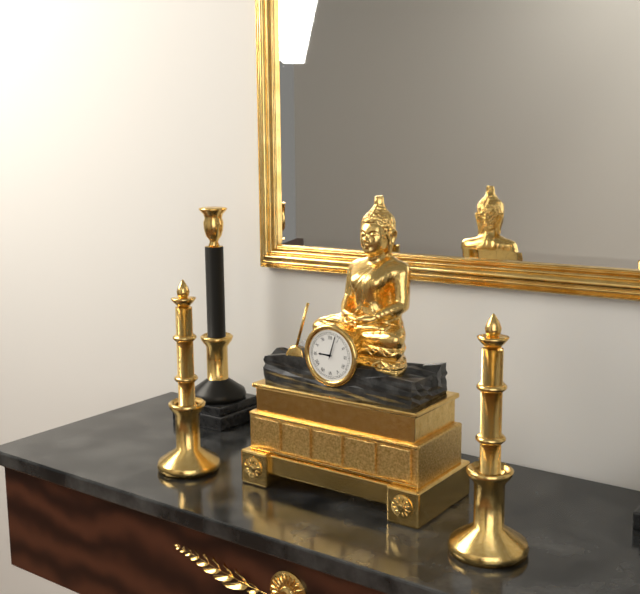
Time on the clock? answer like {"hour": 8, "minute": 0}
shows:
{"hour": 9, "minute": 3}
